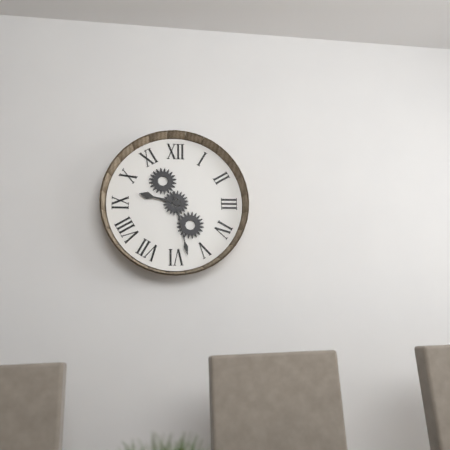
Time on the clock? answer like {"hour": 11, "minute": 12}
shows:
{"hour": 9, "minute": 28}
